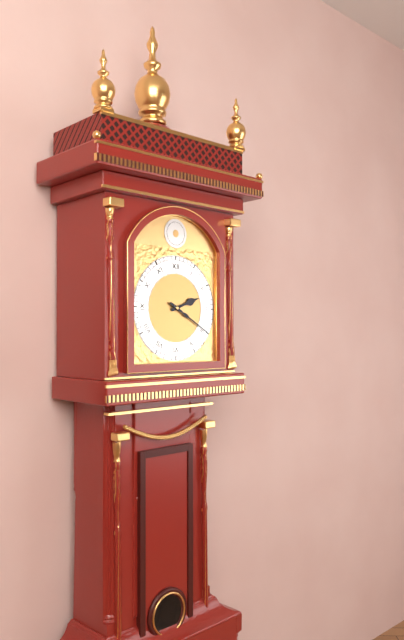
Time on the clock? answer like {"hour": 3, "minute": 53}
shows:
{"hour": 2, "minute": 20}
